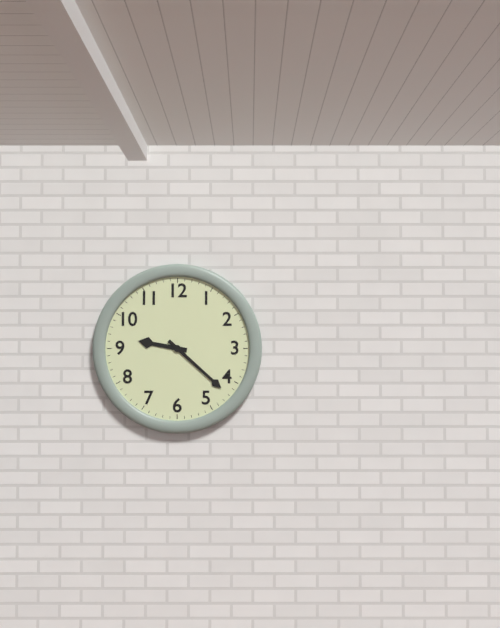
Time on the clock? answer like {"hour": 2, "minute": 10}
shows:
{"hour": 9, "minute": 22}
